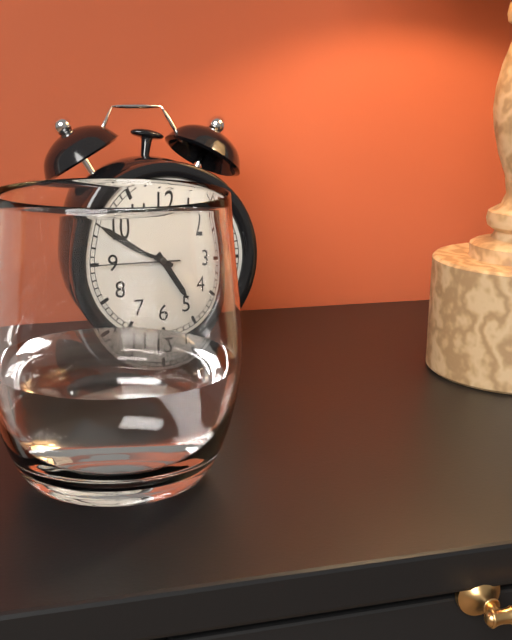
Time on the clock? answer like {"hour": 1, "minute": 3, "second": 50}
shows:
{"hour": 4, "minute": 49, "second": 45}
